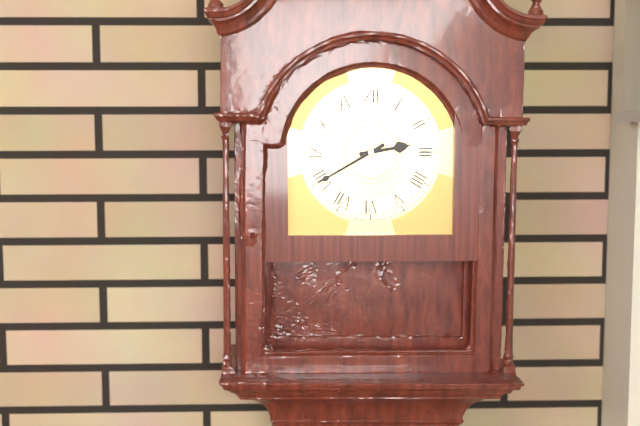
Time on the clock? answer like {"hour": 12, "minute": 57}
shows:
{"hour": 2, "minute": 40}
